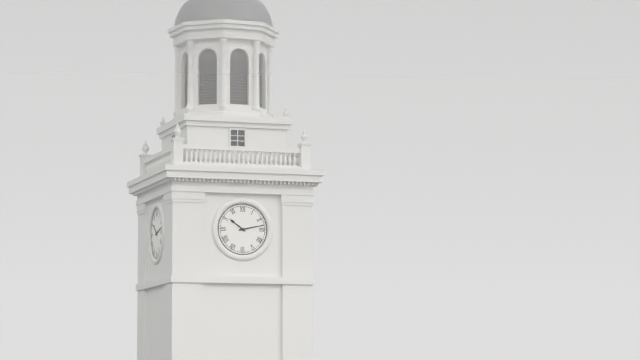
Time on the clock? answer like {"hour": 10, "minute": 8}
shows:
{"hour": 10, "minute": 13}
